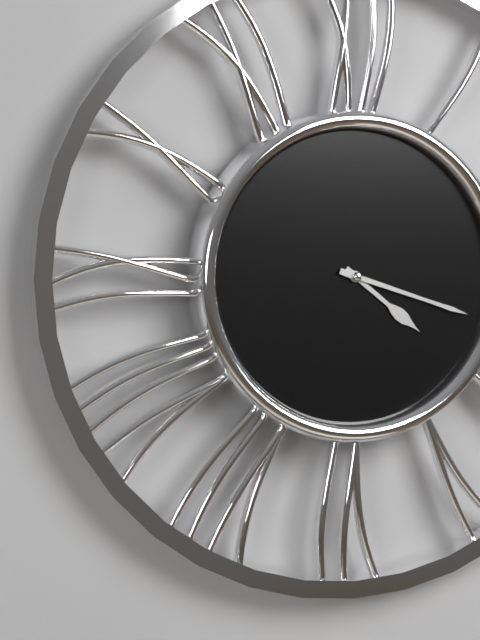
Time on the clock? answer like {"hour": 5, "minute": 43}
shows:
{"hour": 4, "minute": 18}
